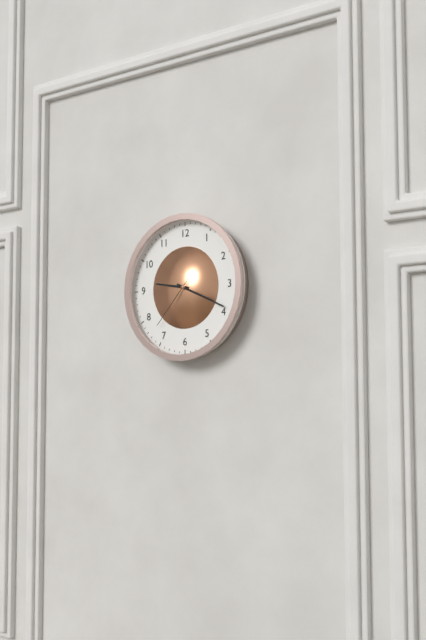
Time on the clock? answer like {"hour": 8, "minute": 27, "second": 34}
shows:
{"hour": 9, "minute": 19, "second": 37}
